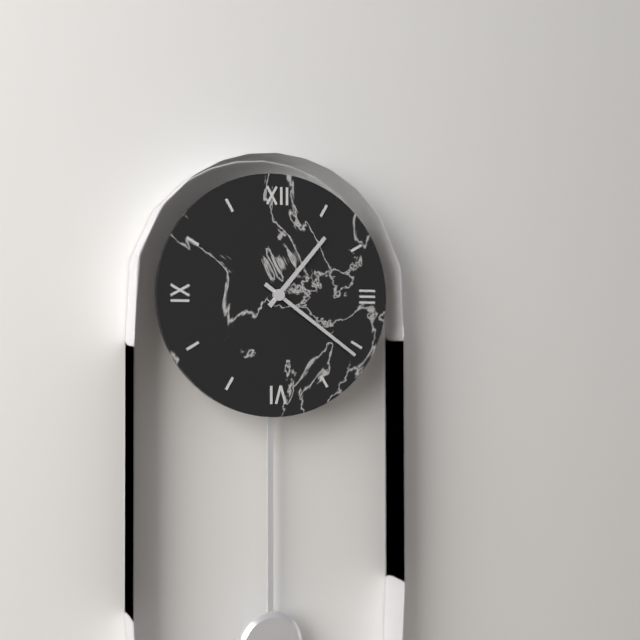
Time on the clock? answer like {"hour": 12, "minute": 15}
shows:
{"hour": 1, "minute": 21}
